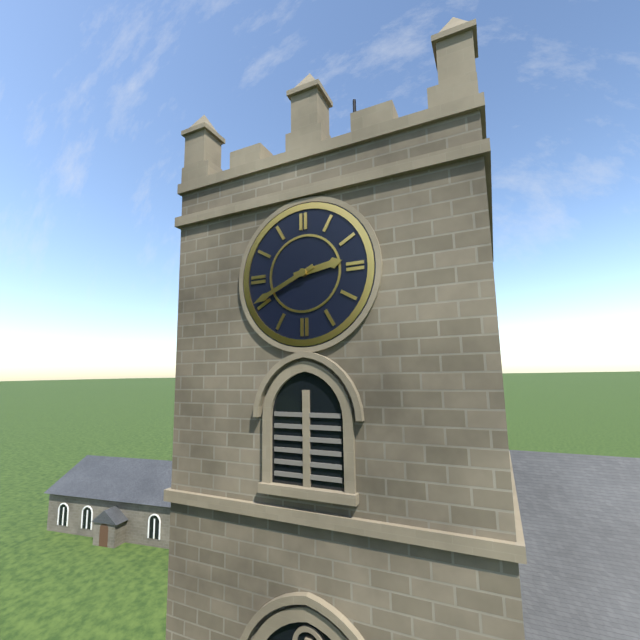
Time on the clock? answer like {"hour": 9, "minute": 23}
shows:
{"hour": 2, "minute": 41}
